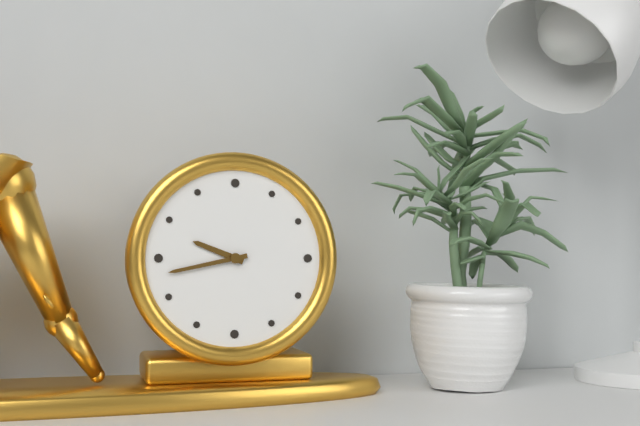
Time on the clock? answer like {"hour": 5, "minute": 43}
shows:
{"hour": 9, "minute": 43}
